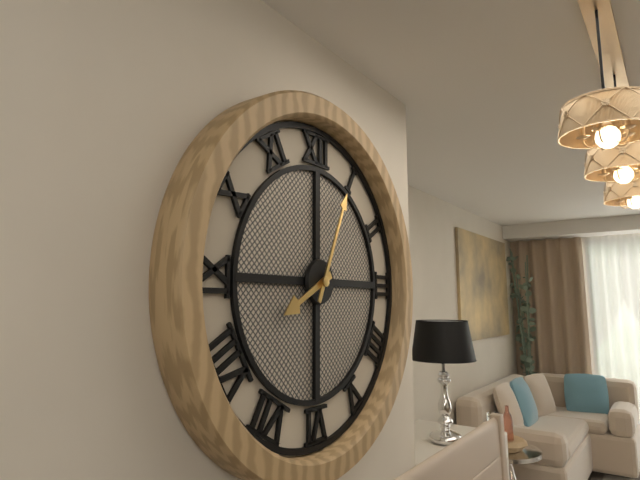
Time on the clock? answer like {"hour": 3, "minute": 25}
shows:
{"hour": 8, "minute": 4}
